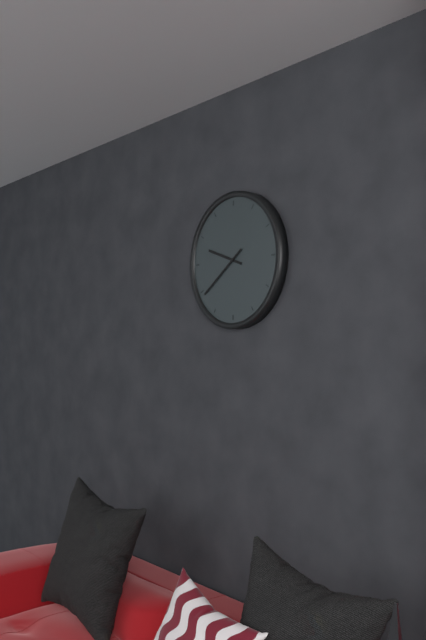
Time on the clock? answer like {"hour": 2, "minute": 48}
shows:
{"hour": 9, "minute": 39}
